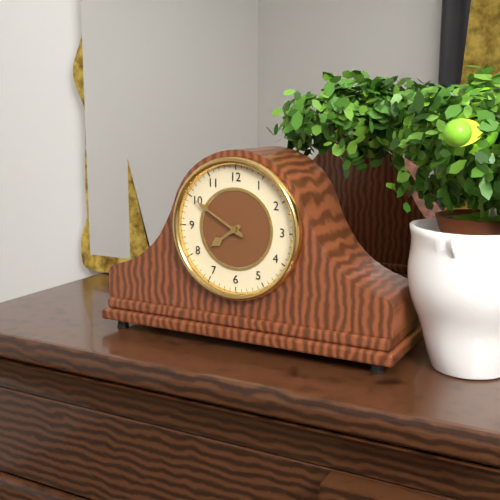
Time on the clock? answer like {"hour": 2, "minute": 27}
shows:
{"hour": 7, "minute": 50}
